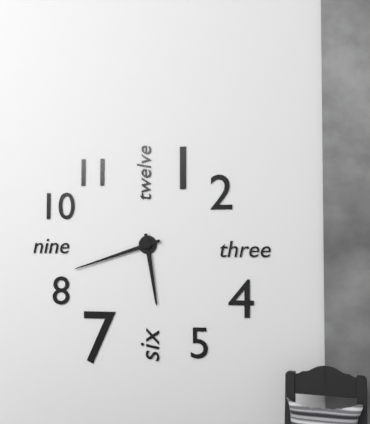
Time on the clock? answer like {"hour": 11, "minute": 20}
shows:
{"hour": 5, "minute": 42}
